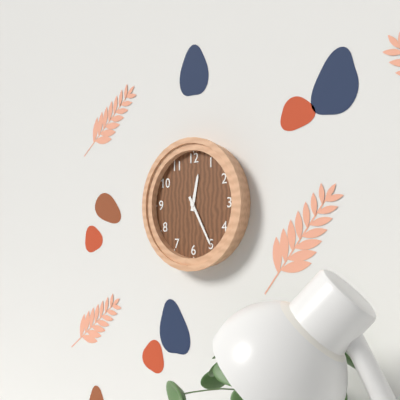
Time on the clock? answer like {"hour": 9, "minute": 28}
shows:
{"hour": 12, "minute": 25}
